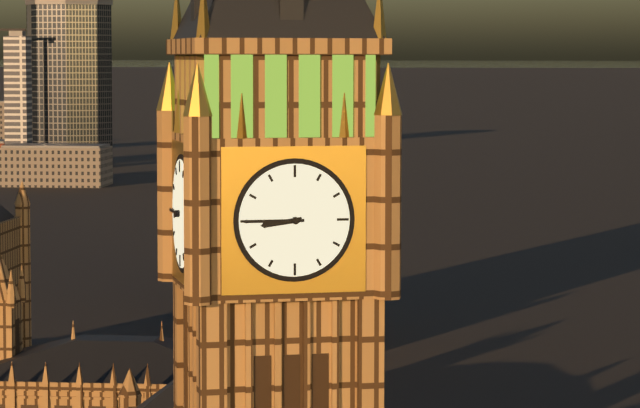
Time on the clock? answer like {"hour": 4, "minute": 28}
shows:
{"hour": 8, "minute": 45}
